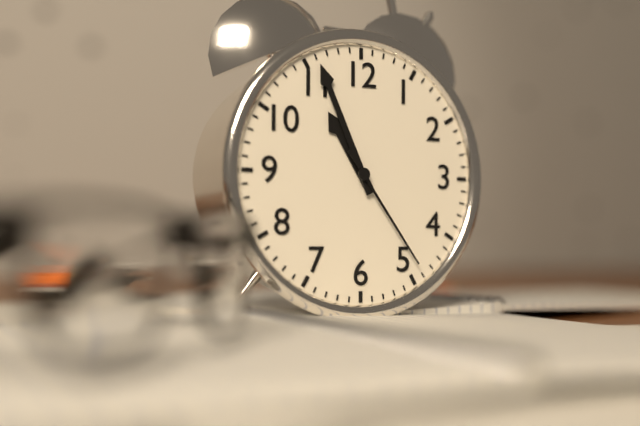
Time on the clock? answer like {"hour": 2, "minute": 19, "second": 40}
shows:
{"hour": 10, "minute": 56, "second": 24}
